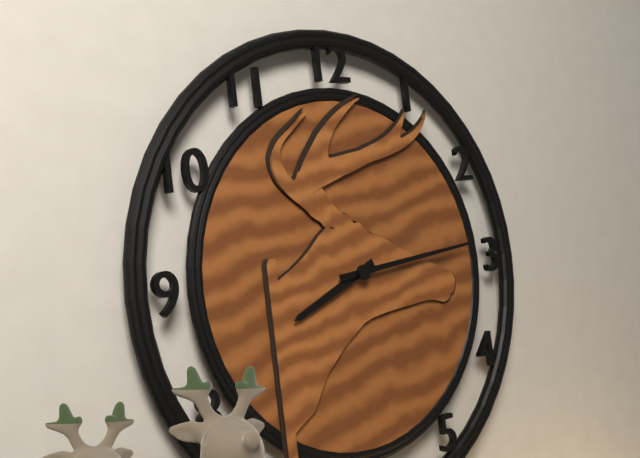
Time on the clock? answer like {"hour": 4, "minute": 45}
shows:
{"hour": 8, "minute": 14}
